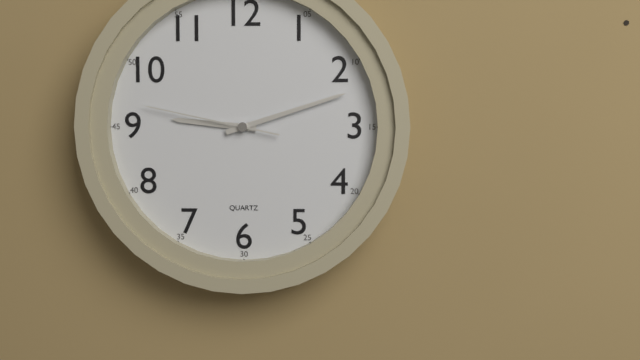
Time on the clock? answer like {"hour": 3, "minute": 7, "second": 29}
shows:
{"hour": 9, "minute": 12, "second": 47}
